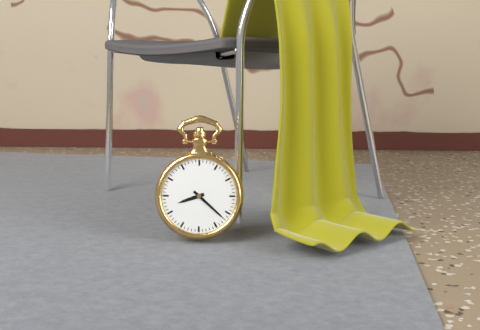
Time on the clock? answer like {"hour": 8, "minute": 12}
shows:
{"hour": 8, "minute": 22}
